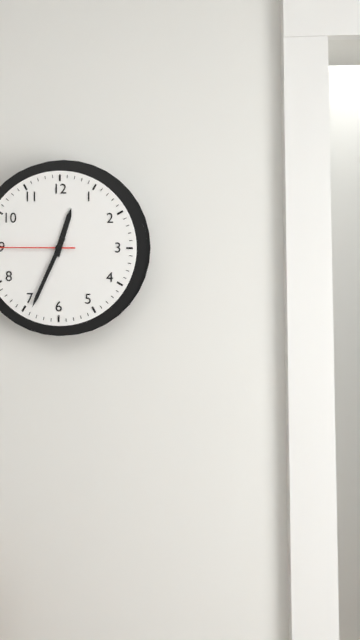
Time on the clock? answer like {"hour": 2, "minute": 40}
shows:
{"hour": 12, "minute": 34}
